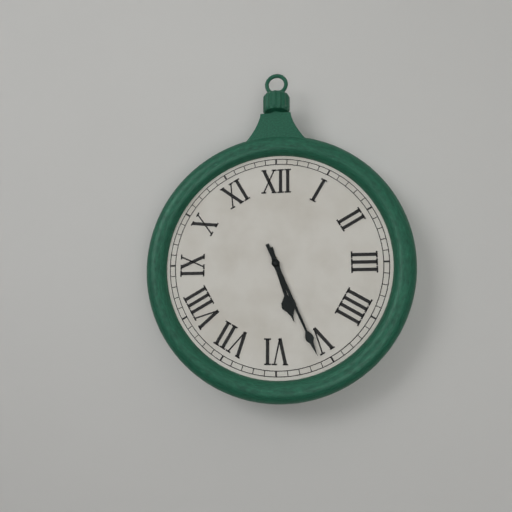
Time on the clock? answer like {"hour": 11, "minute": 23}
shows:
{"hour": 5, "minute": 26}
